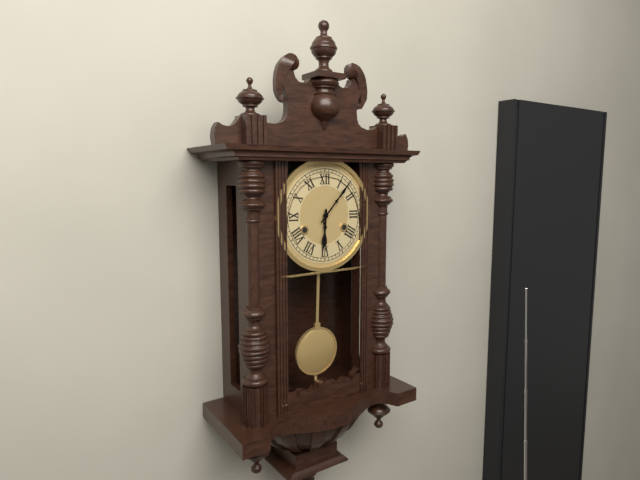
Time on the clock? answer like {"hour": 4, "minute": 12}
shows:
{"hour": 6, "minute": 7}
